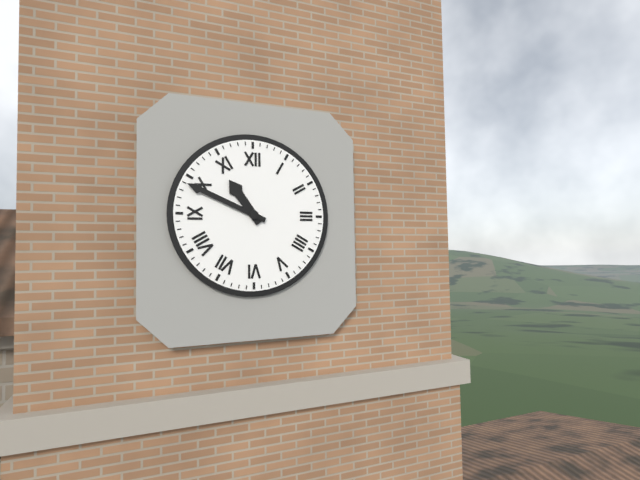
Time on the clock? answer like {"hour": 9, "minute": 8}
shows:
{"hour": 10, "minute": 49}
